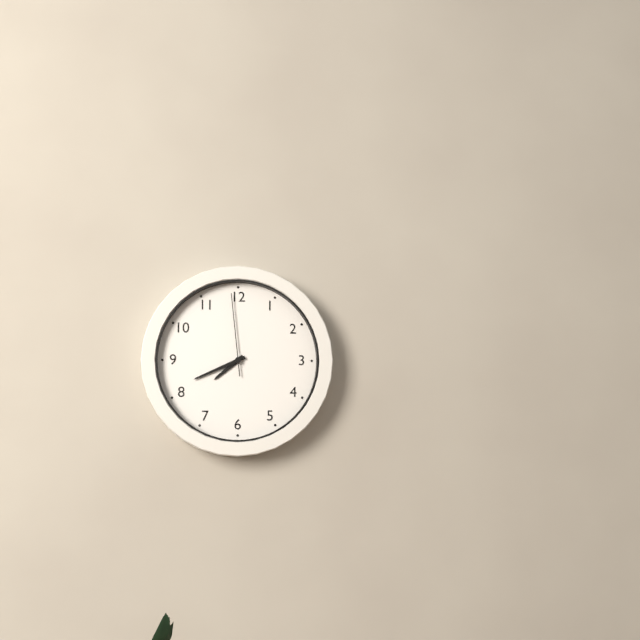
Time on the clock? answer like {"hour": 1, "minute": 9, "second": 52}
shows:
{"hour": 7, "minute": 41, "second": 59}
